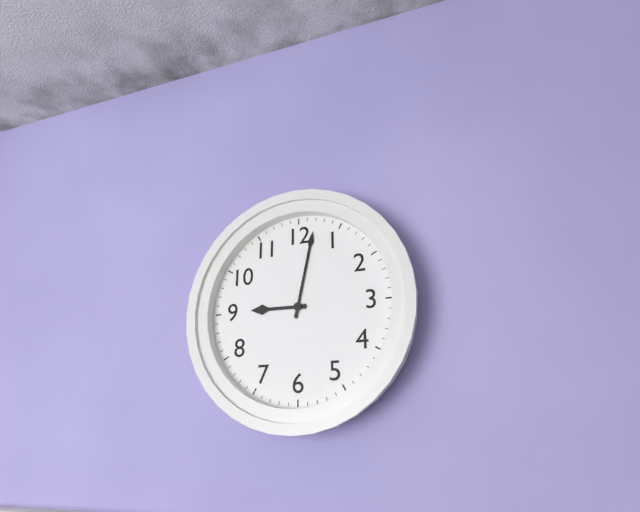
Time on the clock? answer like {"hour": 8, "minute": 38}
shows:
{"hour": 9, "minute": 2}
